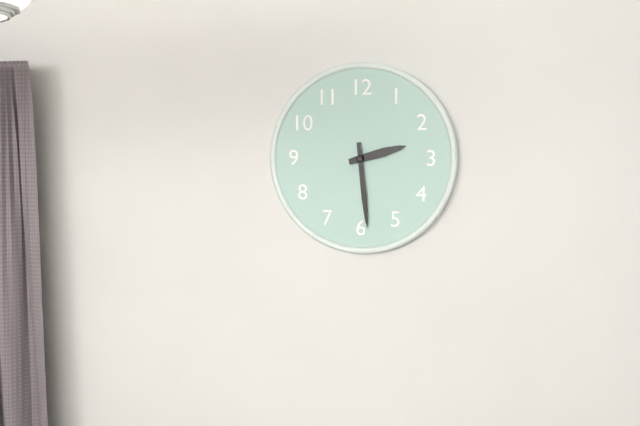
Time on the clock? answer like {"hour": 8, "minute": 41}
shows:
{"hour": 2, "minute": 29}
